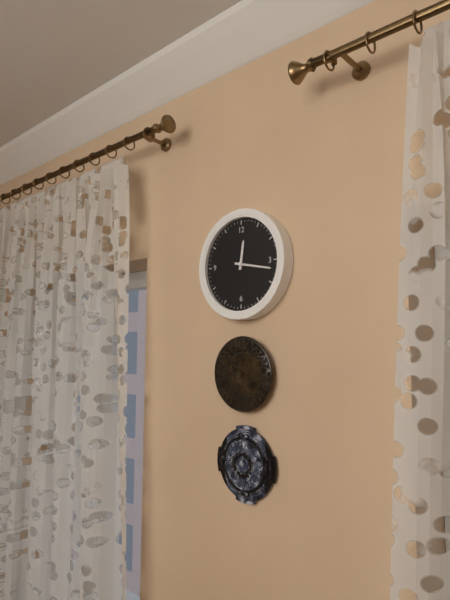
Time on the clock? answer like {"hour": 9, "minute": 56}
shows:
{"hour": 12, "minute": 17}
